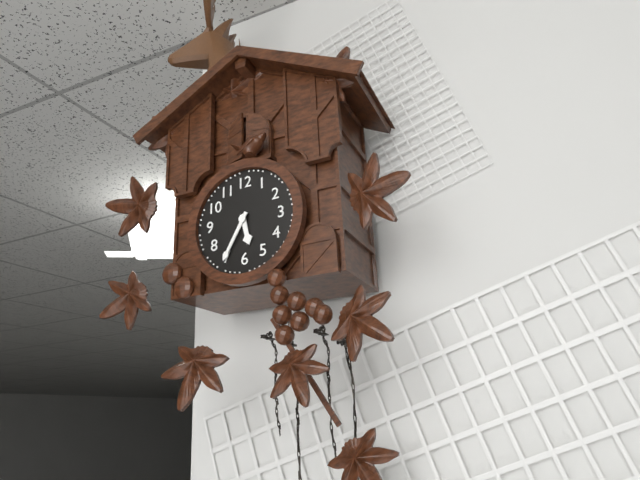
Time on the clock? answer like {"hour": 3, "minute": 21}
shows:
{"hour": 5, "minute": 35}
